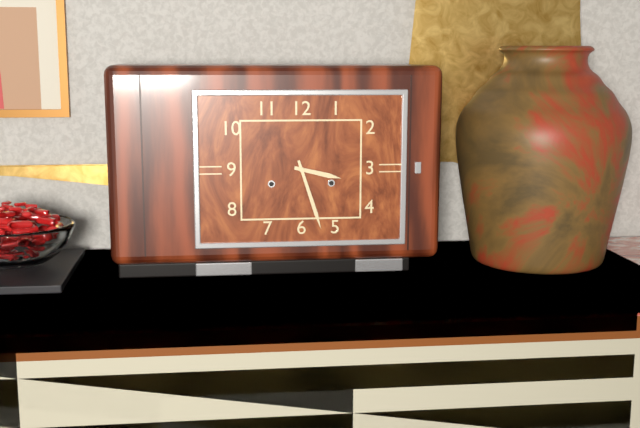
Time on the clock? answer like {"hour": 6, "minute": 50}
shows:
{"hour": 3, "minute": 27}
